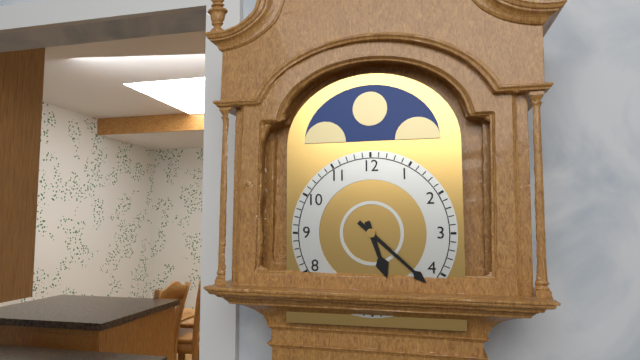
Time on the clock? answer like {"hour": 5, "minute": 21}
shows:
{"hour": 5, "minute": 22}
